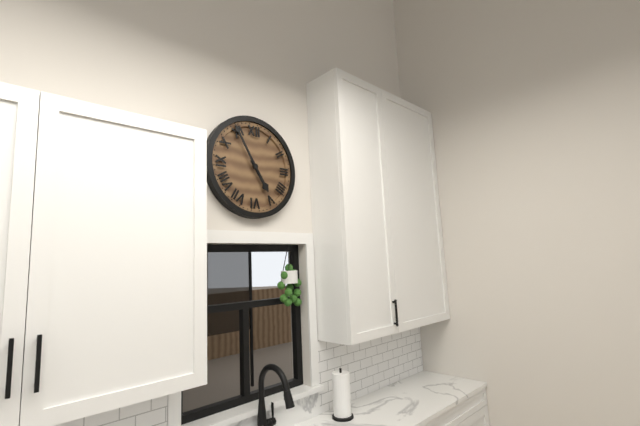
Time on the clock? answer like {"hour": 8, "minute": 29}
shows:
{"hour": 4, "minute": 55}
